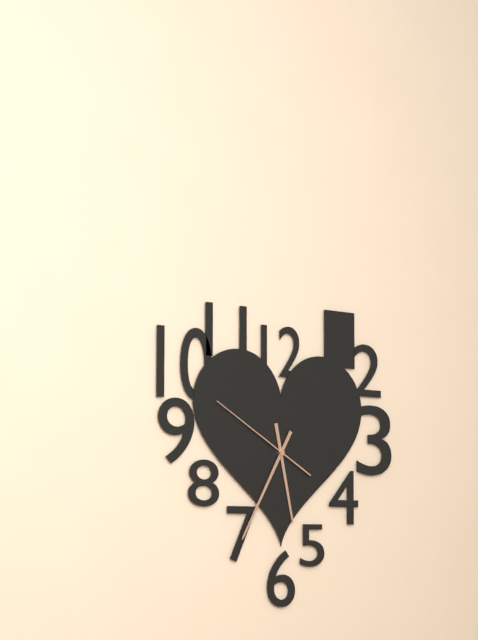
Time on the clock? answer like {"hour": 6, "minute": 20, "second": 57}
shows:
{"hour": 5, "minute": 35, "second": 50}
